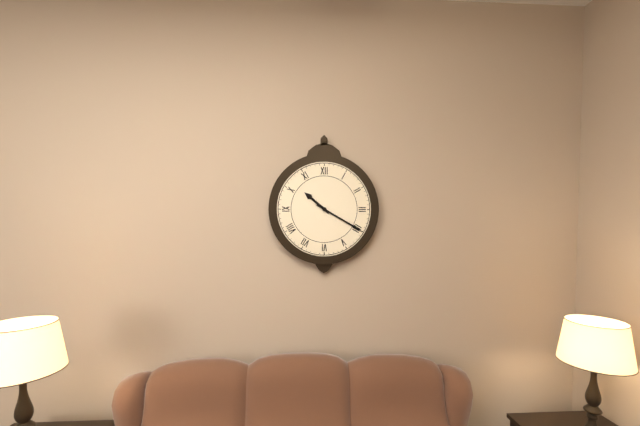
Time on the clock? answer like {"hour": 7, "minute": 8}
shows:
{"hour": 10, "minute": 20}
